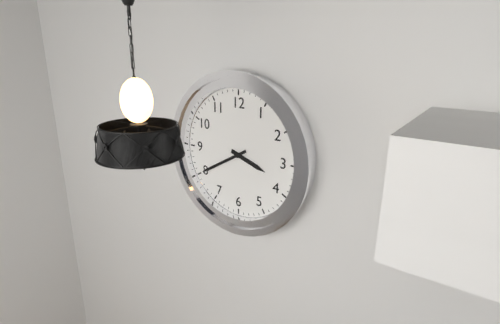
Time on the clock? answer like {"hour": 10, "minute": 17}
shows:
{"hour": 3, "minute": 40}
